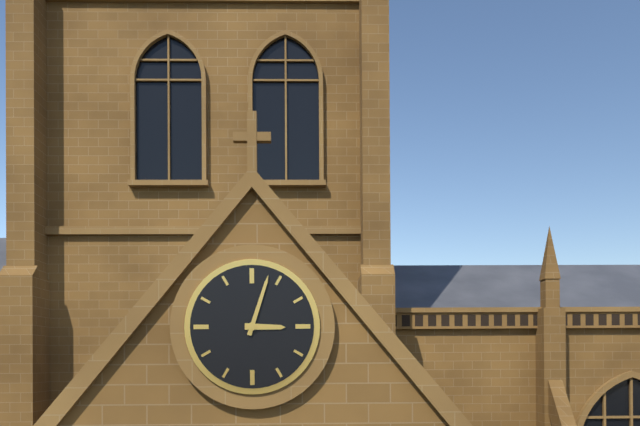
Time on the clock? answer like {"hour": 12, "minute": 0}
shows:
{"hour": 3, "minute": 3}
